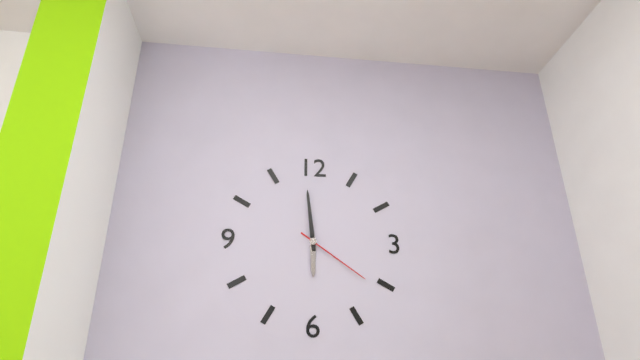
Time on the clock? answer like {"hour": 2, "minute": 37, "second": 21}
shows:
{"hour": 5, "minute": 59, "second": 21}
